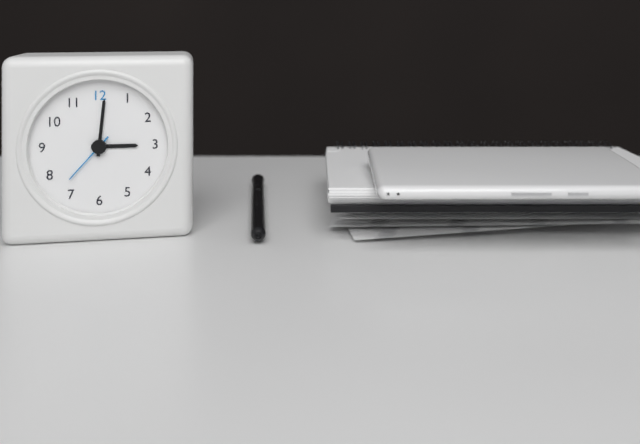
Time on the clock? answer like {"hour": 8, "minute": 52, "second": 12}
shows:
{"hour": 3, "minute": 1, "second": 37}
